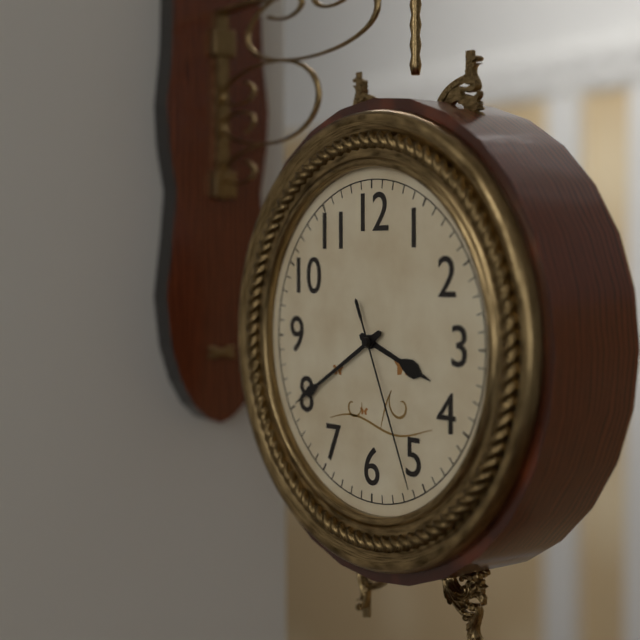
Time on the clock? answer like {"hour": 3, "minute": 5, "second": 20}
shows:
{"hour": 3, "minute": 40, "second": 26}
